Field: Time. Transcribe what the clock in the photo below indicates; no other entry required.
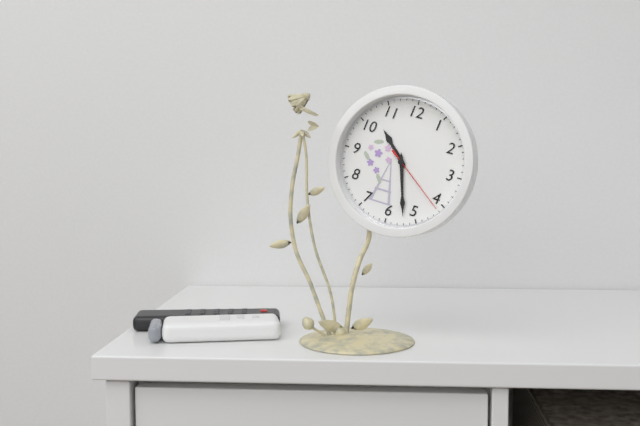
10:27:21
